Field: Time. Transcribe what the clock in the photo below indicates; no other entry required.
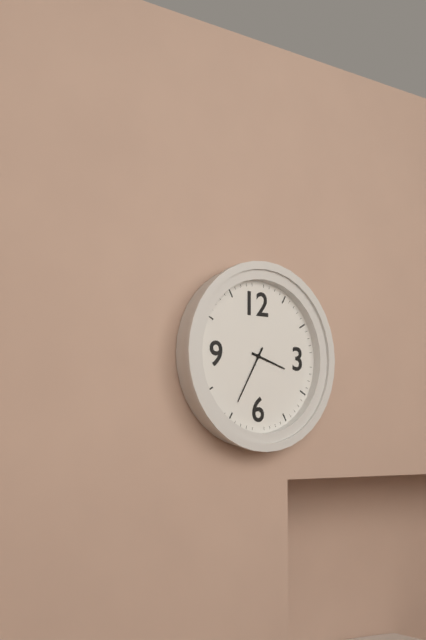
3:35
